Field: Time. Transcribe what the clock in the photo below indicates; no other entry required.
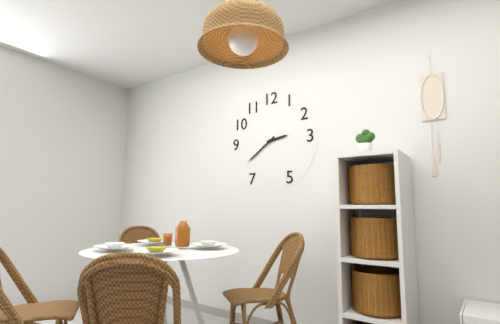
2:39
